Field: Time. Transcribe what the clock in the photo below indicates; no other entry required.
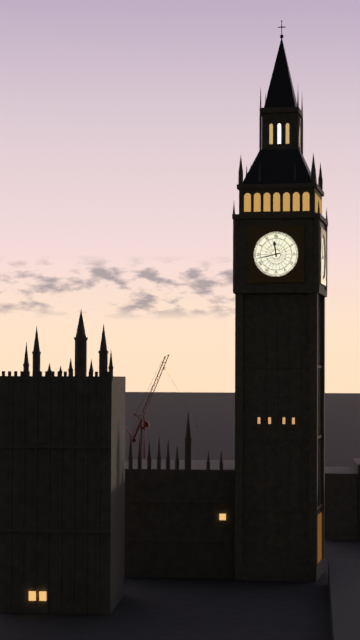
11:43
